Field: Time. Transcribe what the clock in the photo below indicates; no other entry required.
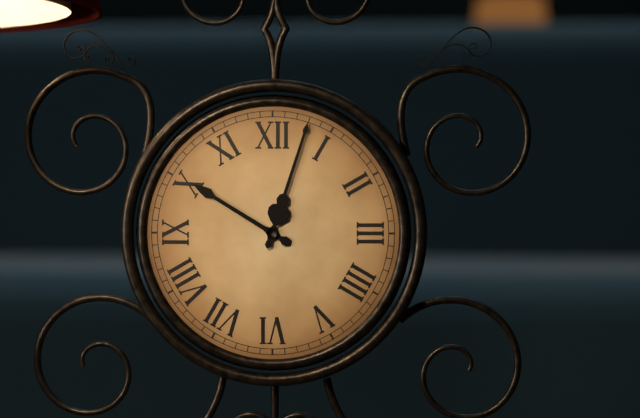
10:03
